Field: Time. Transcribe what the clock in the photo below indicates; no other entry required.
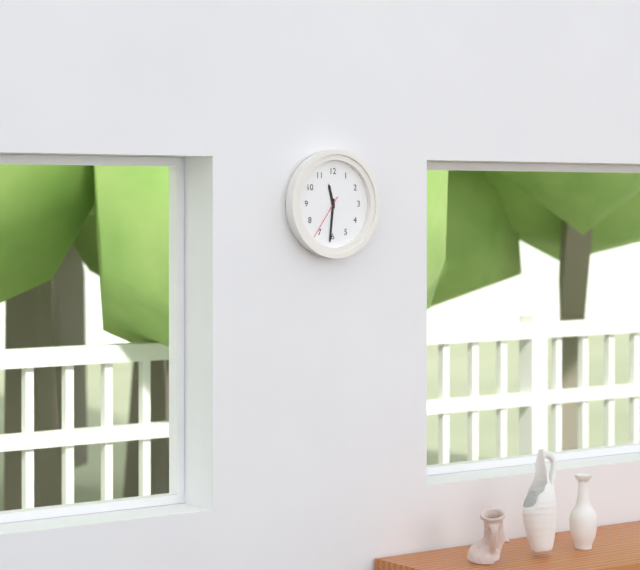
11:31
